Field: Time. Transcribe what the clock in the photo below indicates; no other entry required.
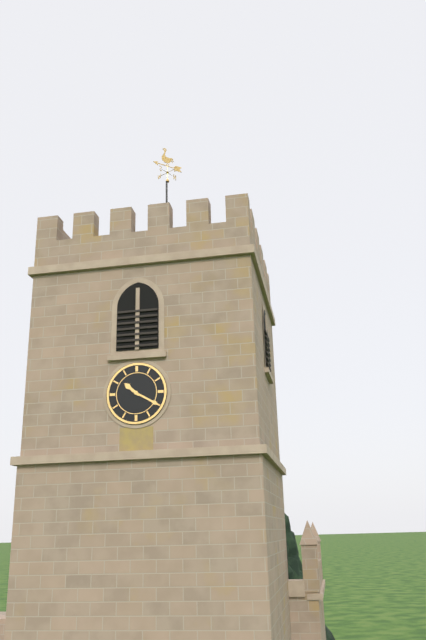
10:20
